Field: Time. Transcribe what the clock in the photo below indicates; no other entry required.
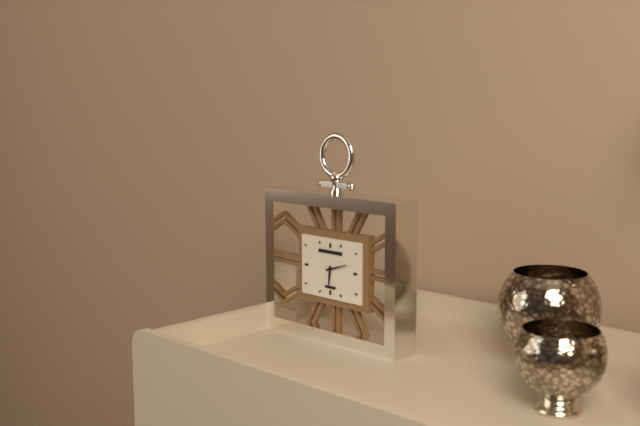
6:12
